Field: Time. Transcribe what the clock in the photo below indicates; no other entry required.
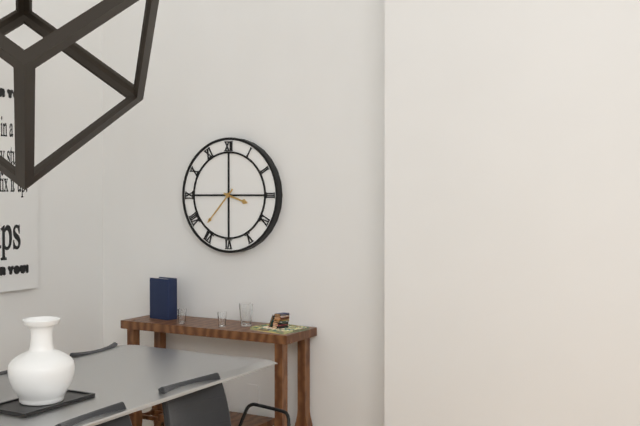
3:37
